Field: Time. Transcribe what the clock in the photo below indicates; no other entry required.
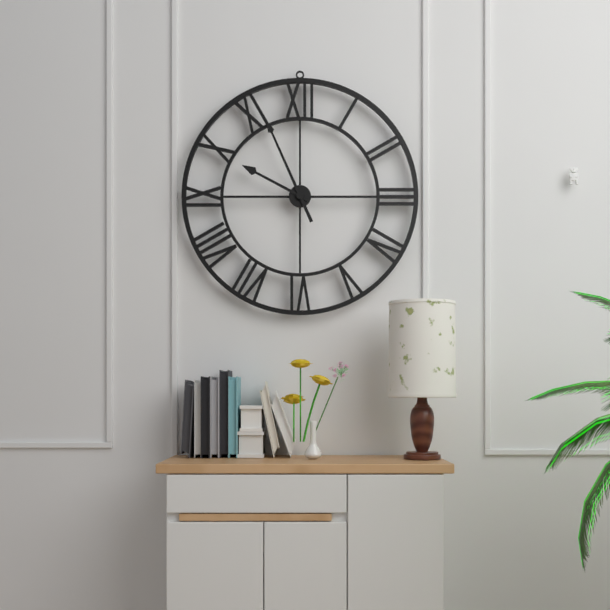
9:56
